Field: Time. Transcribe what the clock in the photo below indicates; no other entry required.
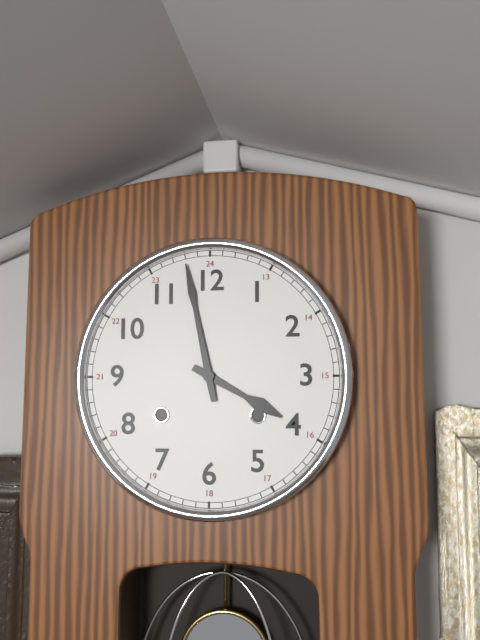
3:58
